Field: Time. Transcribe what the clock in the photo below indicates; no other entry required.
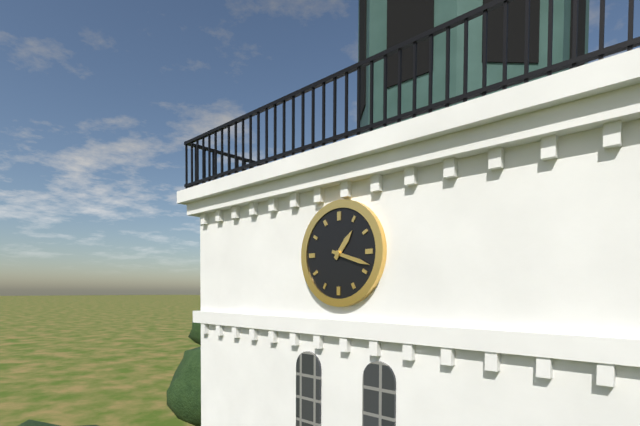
1:18
